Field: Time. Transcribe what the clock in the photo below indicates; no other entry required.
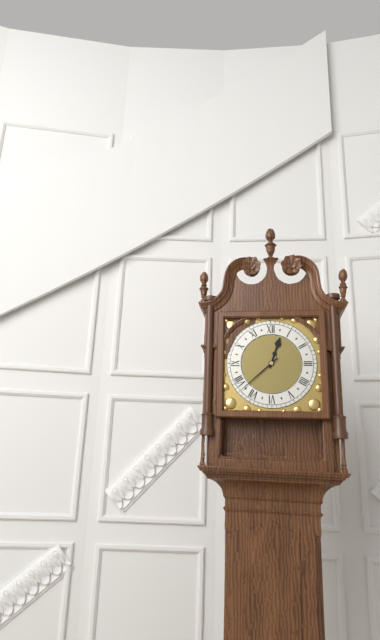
12:38
